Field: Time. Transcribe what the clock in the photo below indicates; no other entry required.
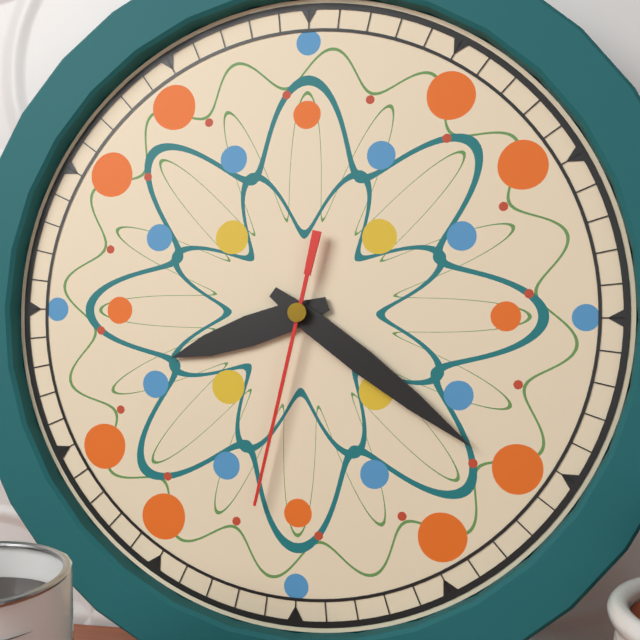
8:21:32
